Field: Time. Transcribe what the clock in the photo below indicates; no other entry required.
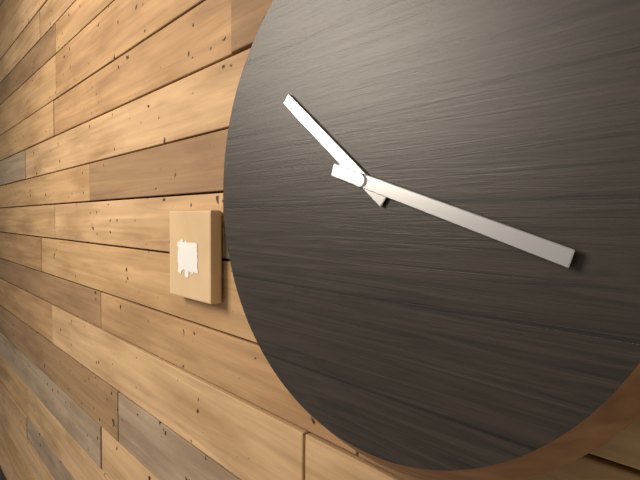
10:18
